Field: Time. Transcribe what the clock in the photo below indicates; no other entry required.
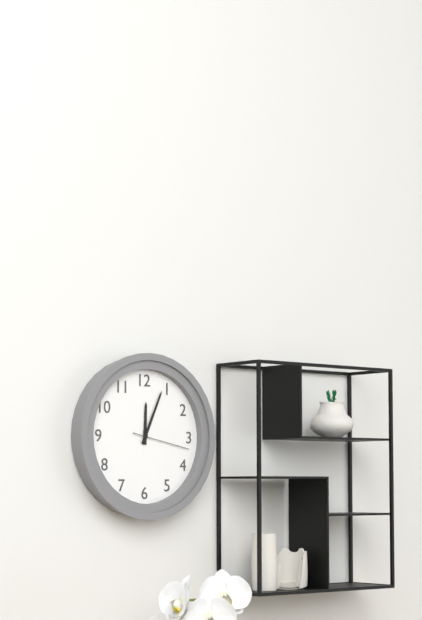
12:04:17
